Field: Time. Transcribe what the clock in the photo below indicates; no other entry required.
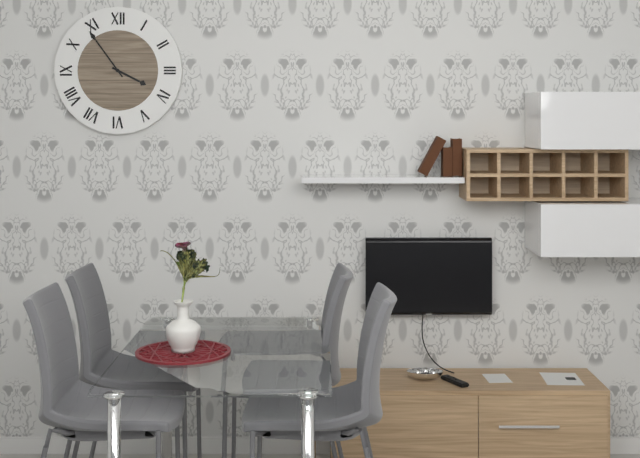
3:54
